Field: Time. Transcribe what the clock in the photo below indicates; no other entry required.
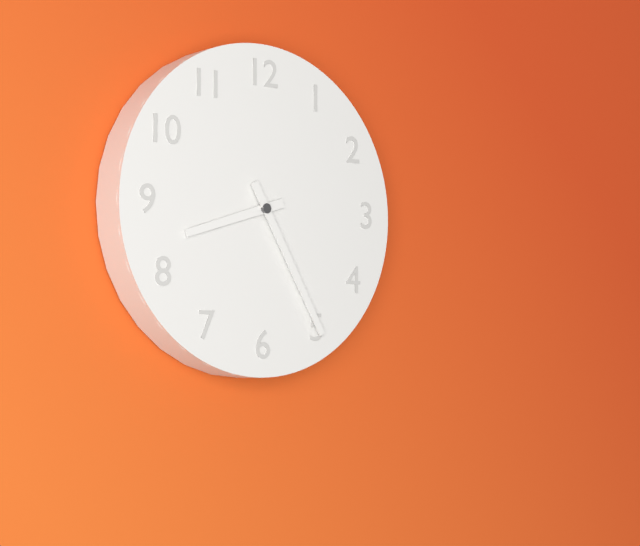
8:25
